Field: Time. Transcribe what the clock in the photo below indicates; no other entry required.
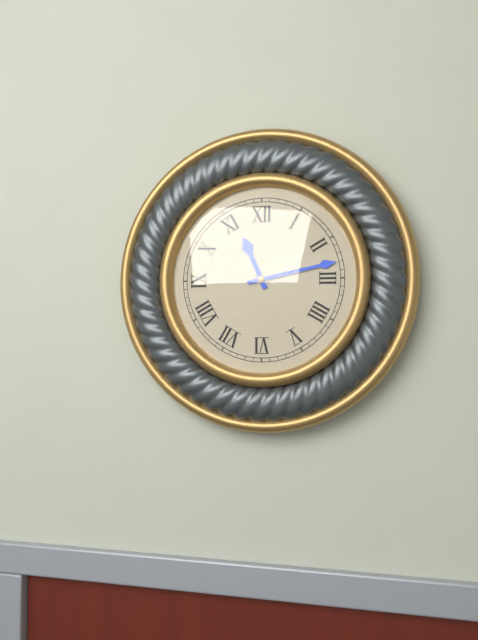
11:13
